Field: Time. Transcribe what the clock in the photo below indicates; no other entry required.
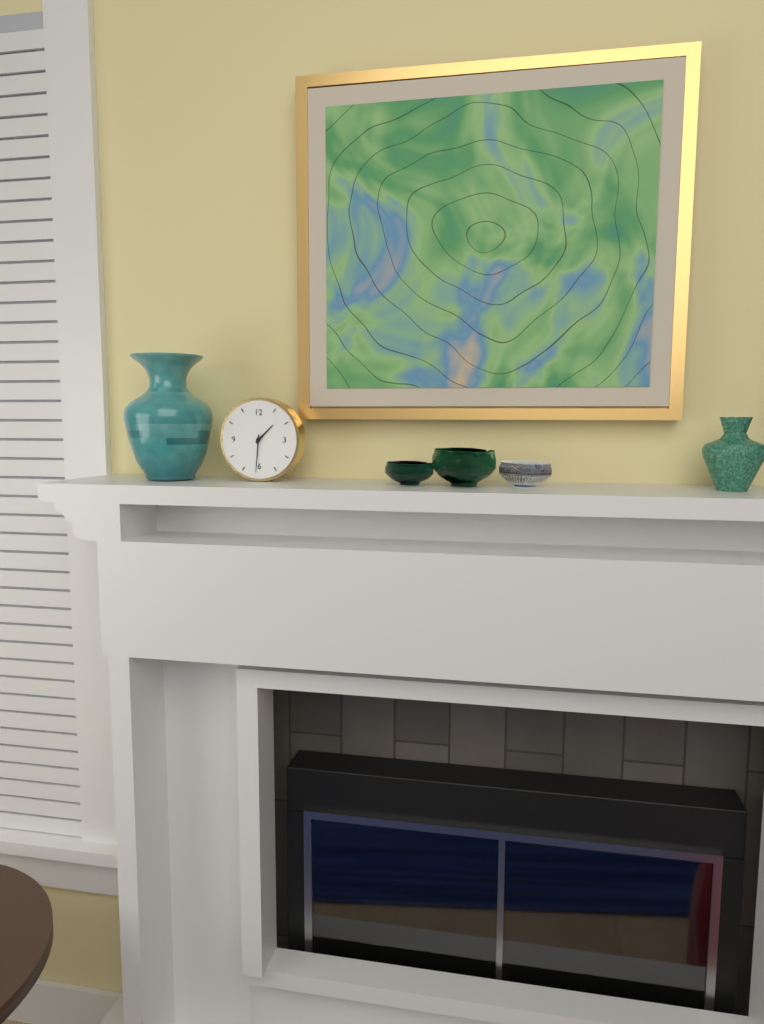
1:31
